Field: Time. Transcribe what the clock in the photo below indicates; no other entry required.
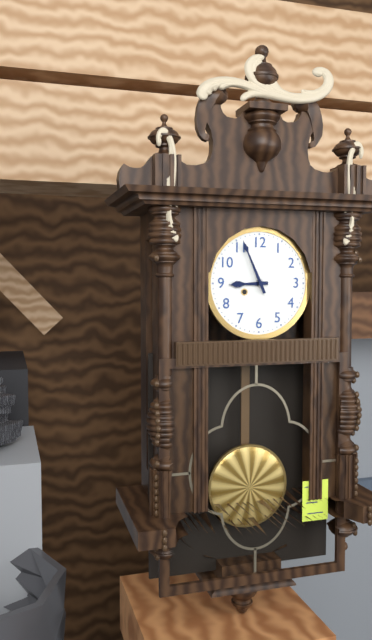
8:56
